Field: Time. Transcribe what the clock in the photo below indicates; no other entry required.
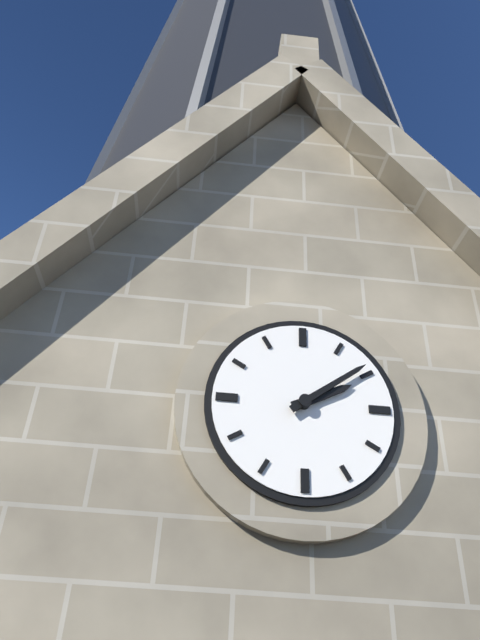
2:09
